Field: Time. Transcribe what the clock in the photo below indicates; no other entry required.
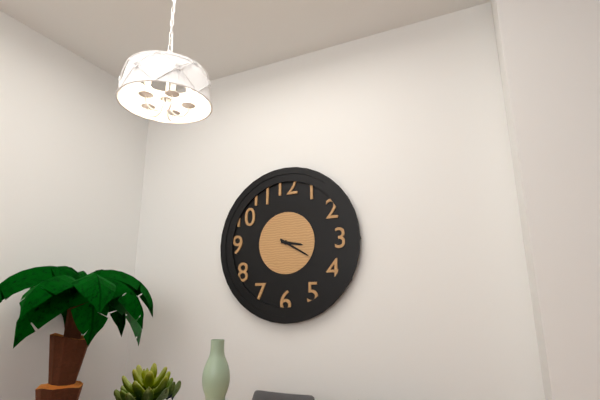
3:20
